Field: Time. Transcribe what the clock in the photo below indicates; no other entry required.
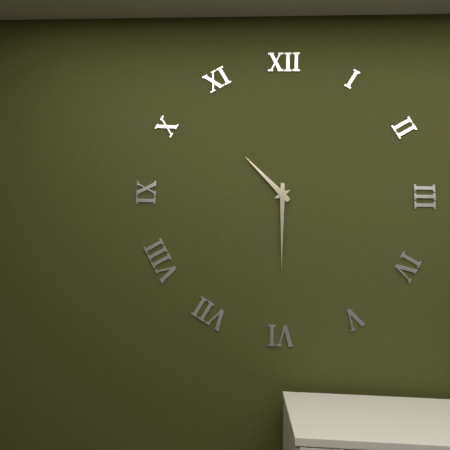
10:30
